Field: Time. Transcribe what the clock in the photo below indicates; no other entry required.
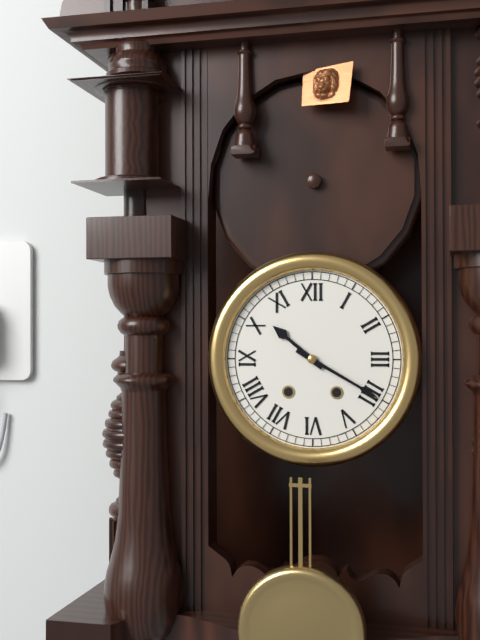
10:20
